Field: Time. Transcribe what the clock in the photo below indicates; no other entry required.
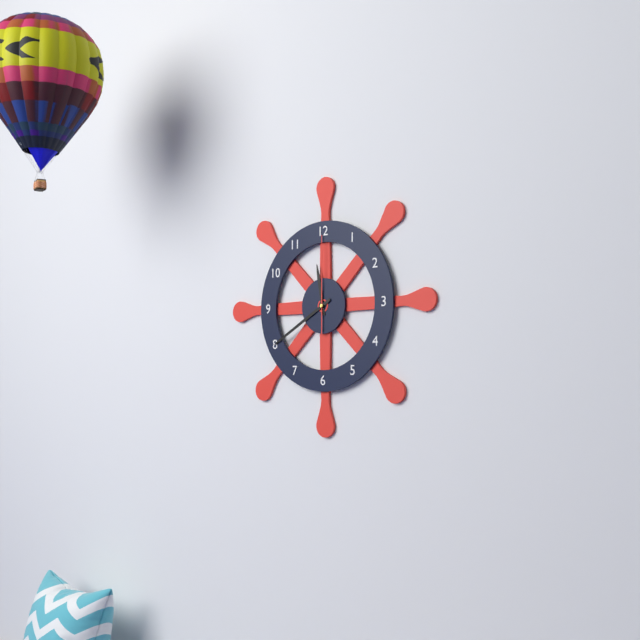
11:40:00
